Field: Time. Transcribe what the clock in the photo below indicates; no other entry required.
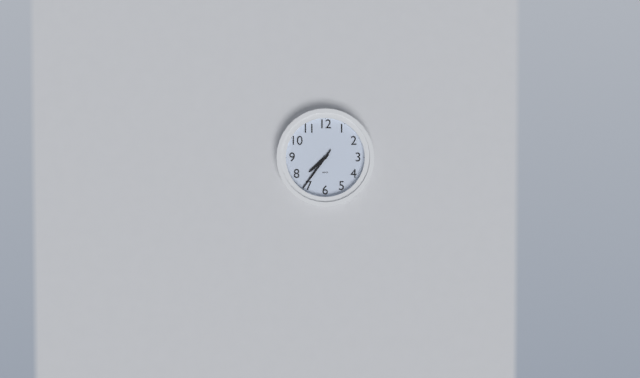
7:36
